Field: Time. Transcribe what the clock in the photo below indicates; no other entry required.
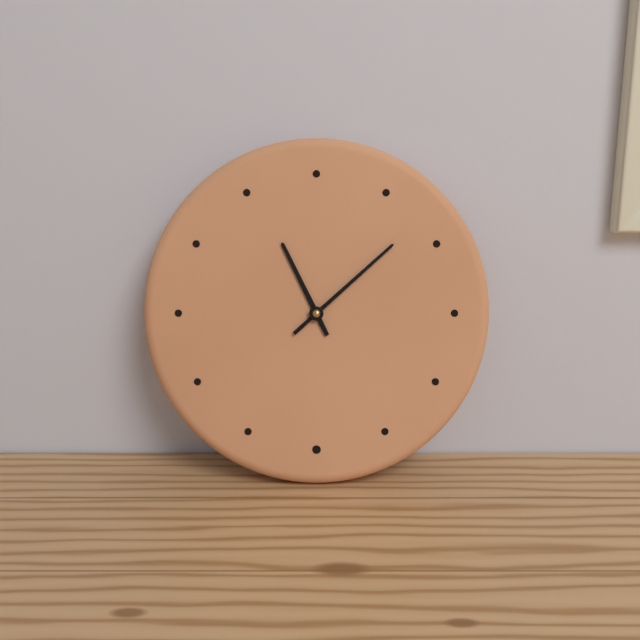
11:08
